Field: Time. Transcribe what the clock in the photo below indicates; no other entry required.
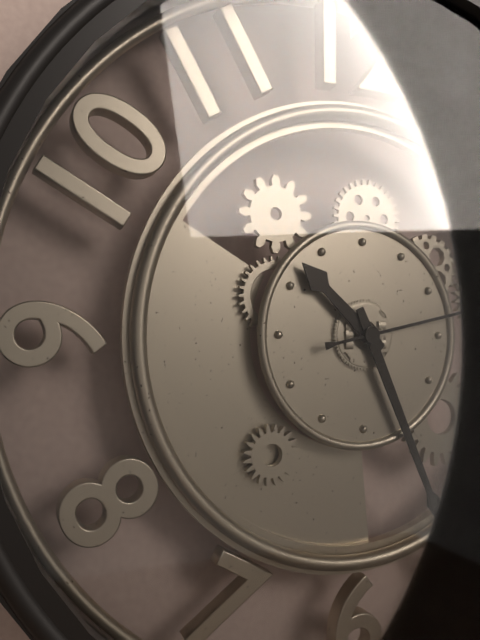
10:26
